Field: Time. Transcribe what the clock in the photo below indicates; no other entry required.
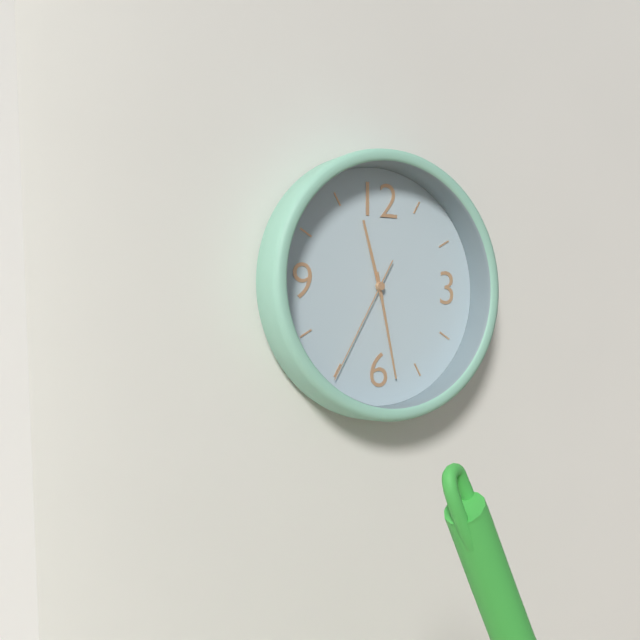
11:28:35
